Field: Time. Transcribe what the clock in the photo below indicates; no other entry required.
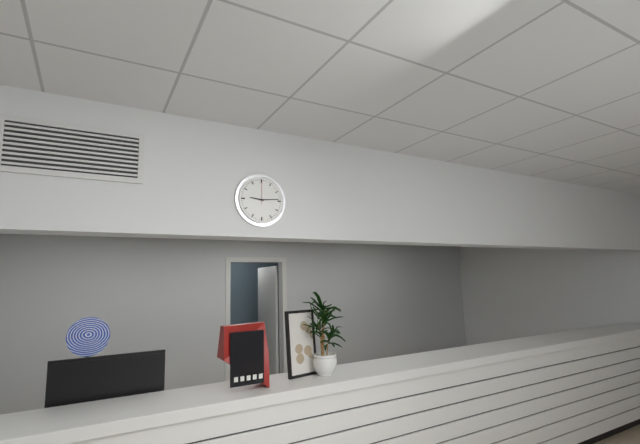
9:14
